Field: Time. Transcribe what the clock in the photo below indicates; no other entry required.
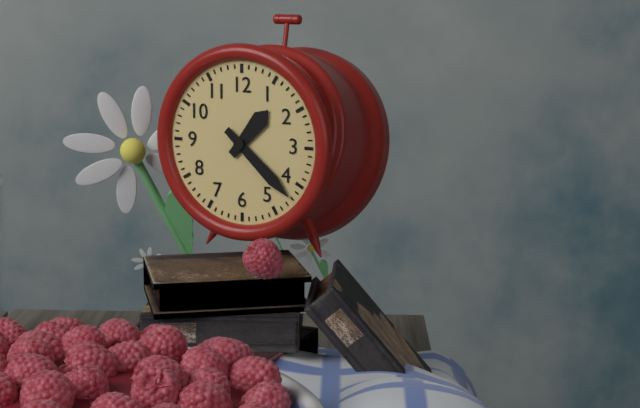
1:22
